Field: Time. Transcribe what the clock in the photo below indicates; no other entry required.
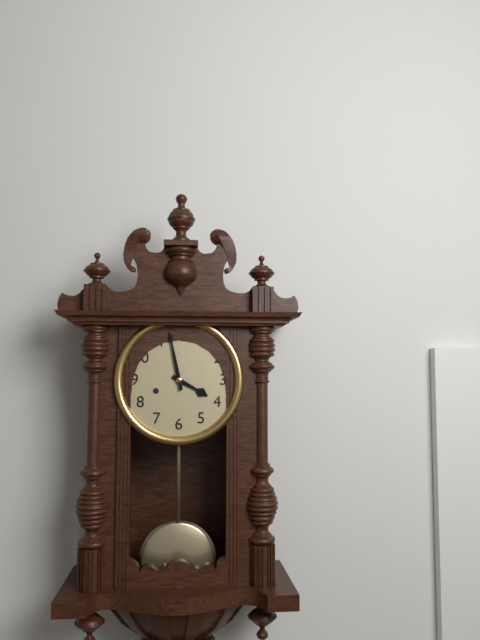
3:58
